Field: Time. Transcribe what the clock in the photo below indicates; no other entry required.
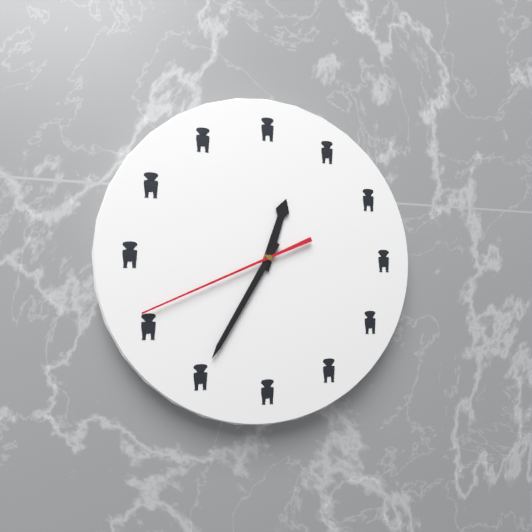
12:35:41
